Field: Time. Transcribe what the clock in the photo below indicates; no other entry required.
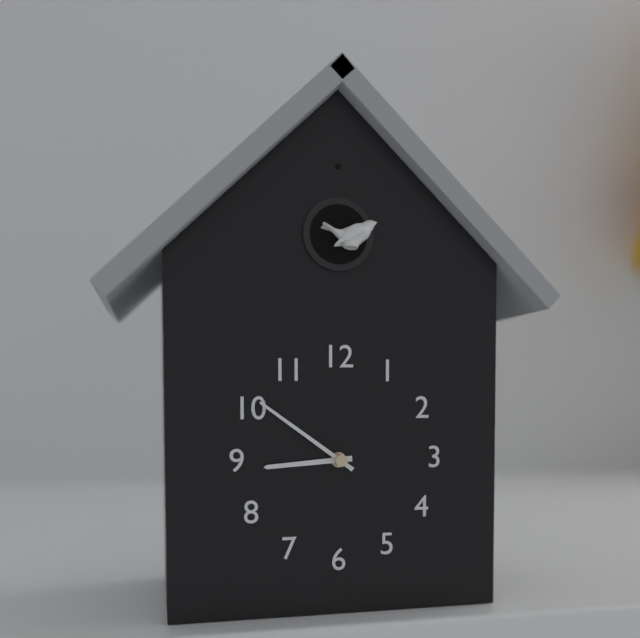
8:51
